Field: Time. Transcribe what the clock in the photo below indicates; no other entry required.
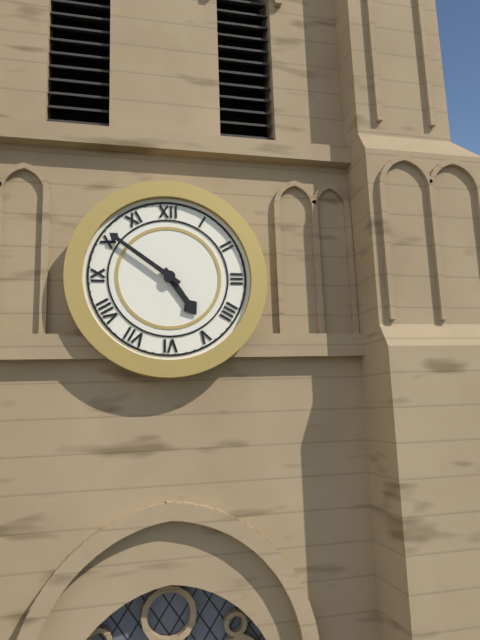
4:51
